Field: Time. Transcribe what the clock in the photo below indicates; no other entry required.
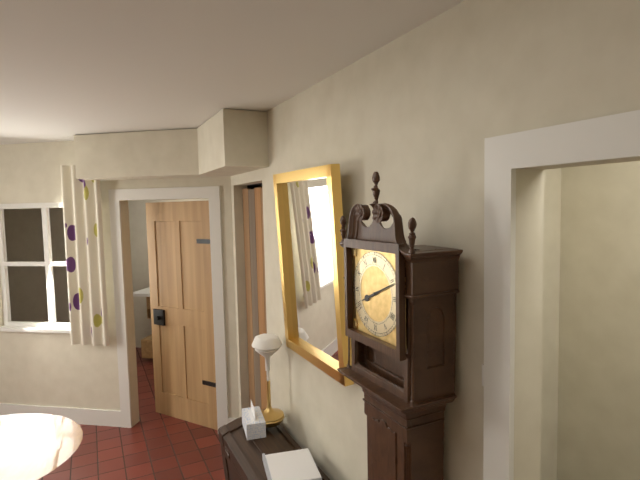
8:11
